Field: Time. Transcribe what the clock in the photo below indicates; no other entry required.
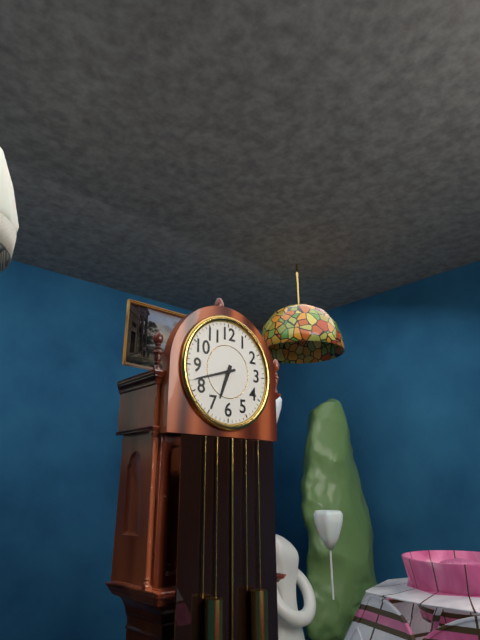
6:42
